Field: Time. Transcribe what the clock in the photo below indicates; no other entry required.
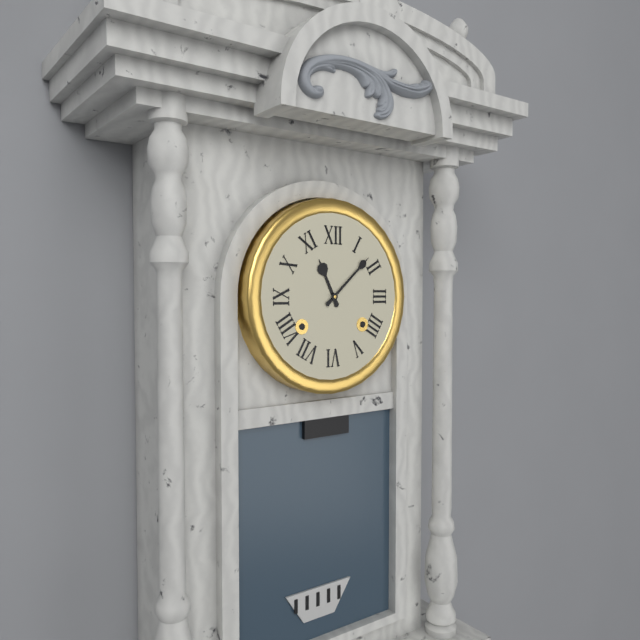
11:08
